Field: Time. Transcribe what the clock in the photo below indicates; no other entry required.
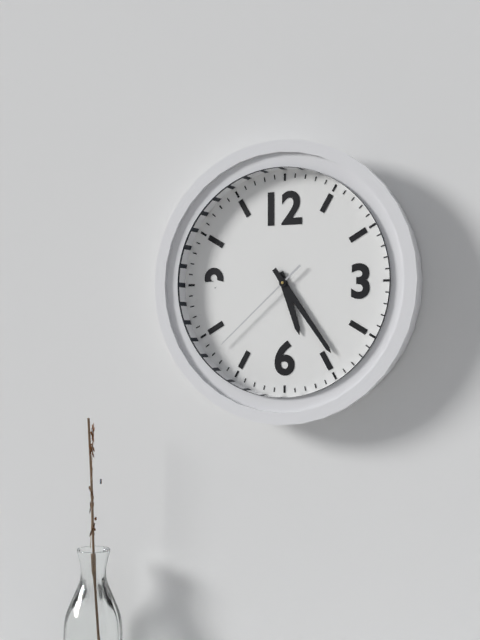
5:24:38
